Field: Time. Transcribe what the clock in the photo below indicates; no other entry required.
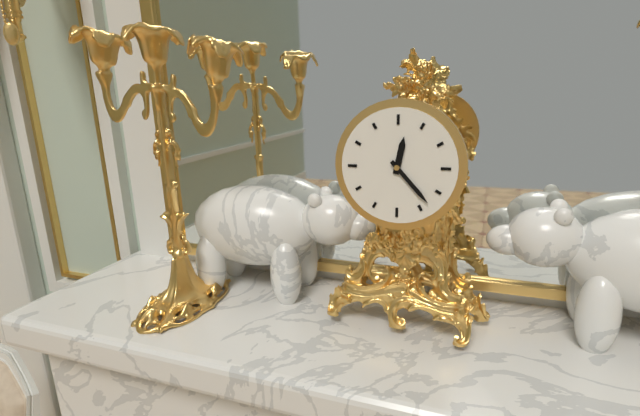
12:23
